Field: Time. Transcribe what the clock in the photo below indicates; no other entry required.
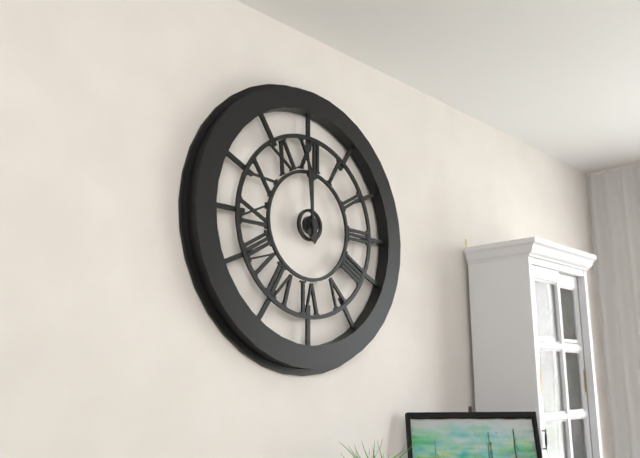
11:59
